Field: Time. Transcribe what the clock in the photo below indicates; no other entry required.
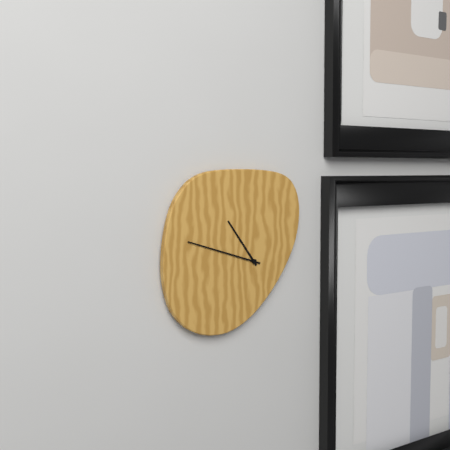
10:48
